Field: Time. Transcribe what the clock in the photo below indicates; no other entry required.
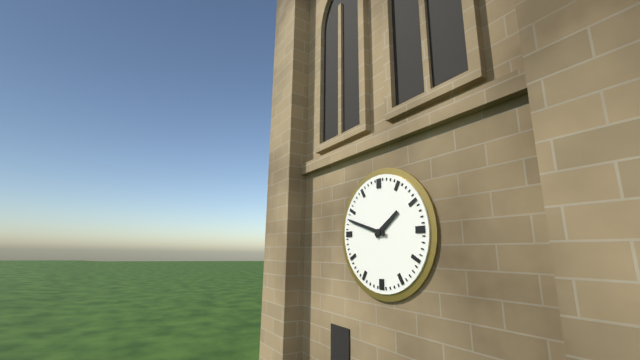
1:48
